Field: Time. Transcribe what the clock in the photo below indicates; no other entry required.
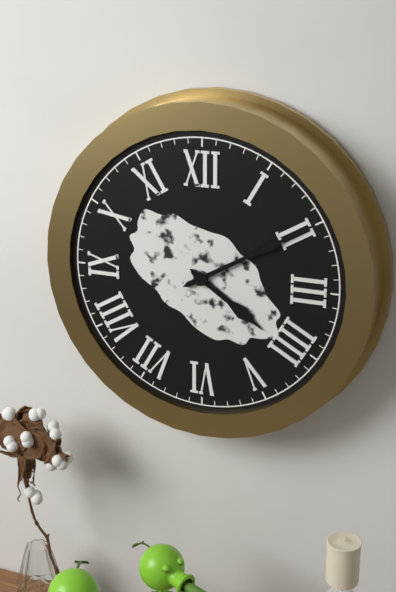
4:10
